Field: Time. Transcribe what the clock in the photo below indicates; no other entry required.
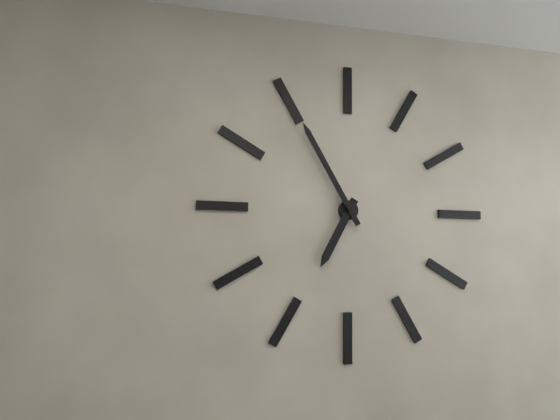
6:55
